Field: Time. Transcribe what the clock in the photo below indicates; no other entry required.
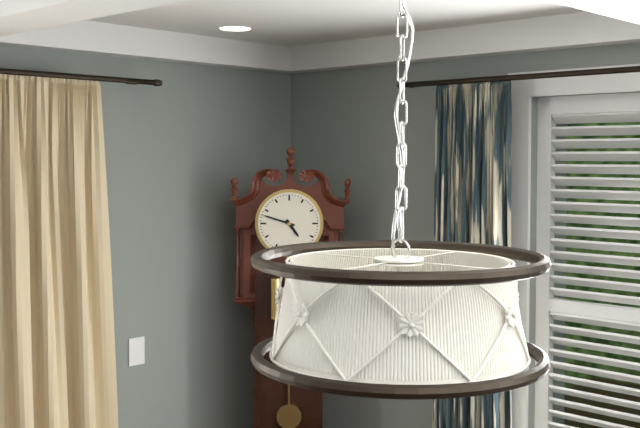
4:48
